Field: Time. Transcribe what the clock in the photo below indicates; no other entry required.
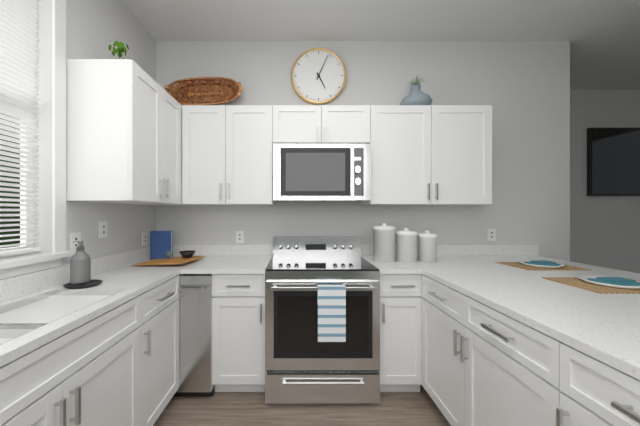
5:04
